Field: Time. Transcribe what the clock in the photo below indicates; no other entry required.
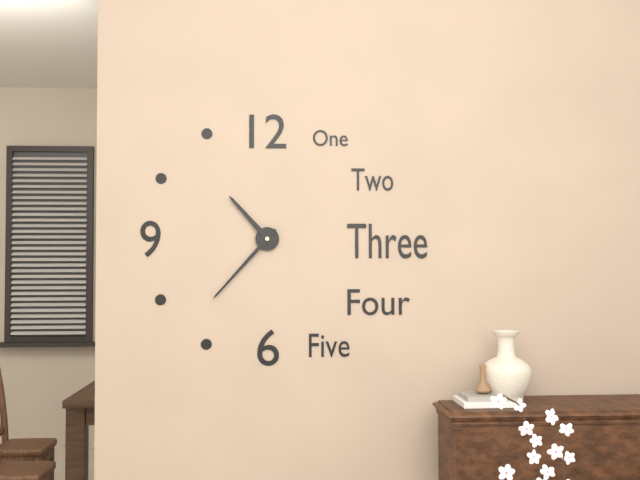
10:37
